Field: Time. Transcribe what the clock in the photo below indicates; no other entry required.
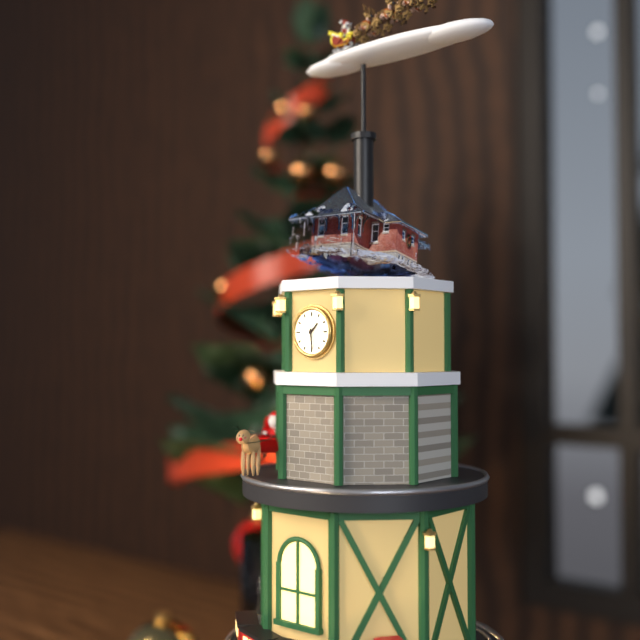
1:29
